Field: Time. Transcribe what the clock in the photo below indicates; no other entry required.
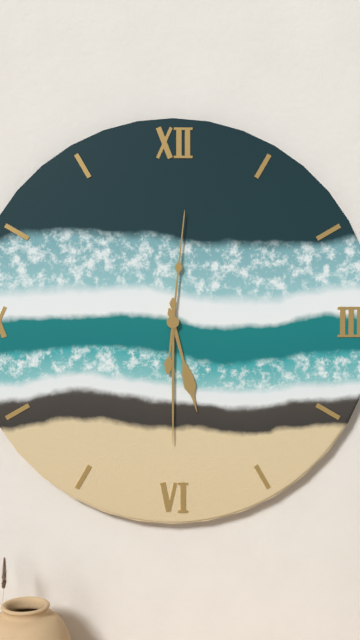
5:30:01
